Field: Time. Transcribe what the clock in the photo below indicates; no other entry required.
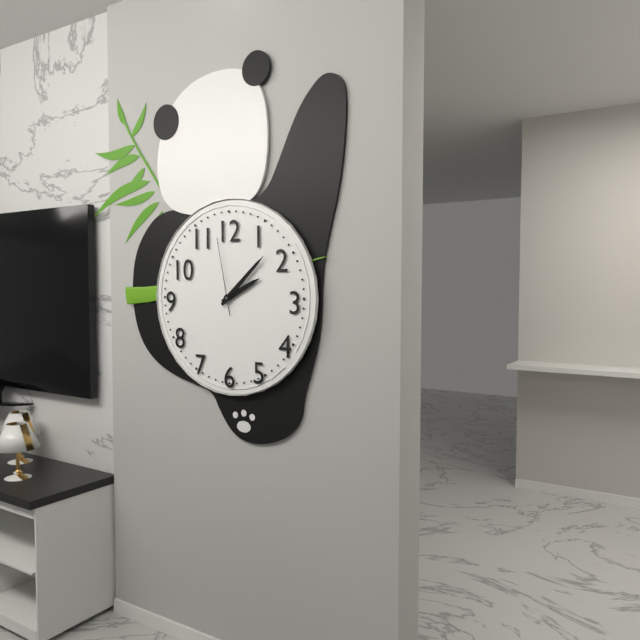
2:08:58
